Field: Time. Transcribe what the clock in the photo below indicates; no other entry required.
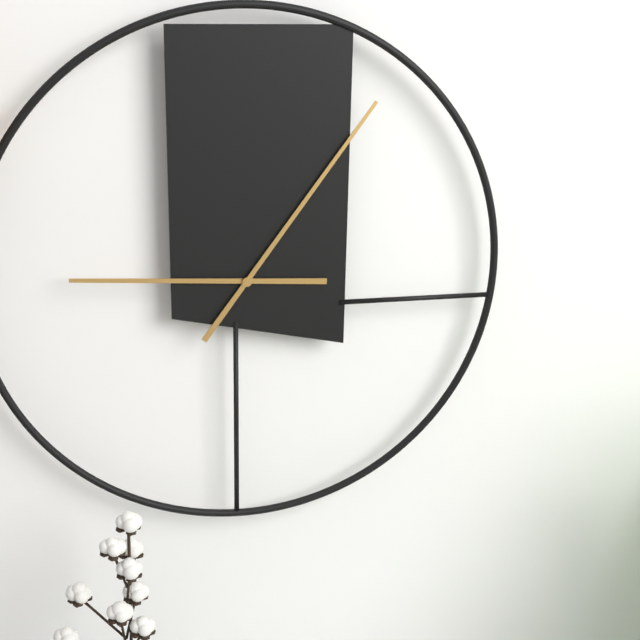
9:06
